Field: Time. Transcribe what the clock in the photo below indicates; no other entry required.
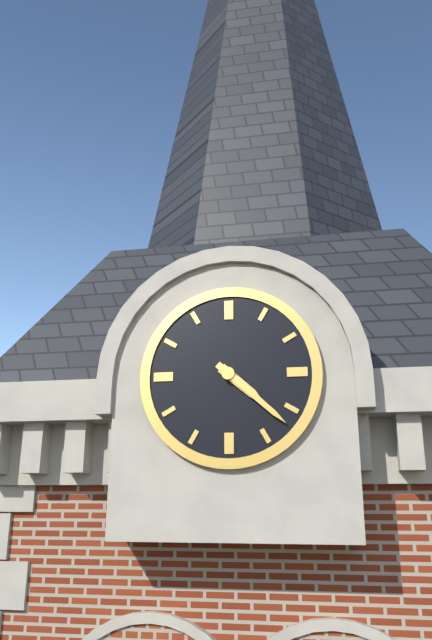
4:22
